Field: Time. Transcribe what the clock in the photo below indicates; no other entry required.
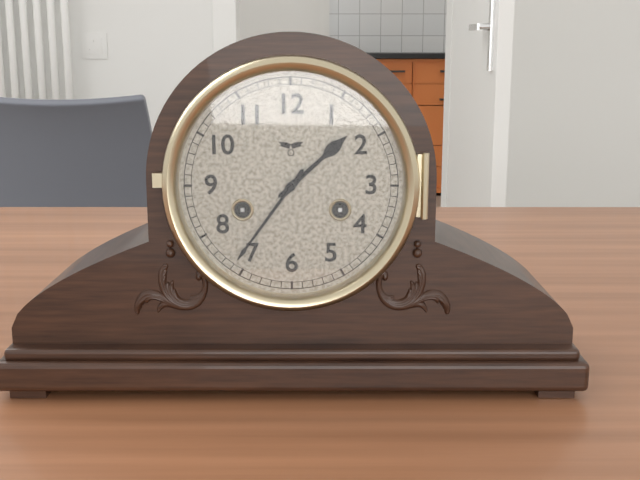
1:36
